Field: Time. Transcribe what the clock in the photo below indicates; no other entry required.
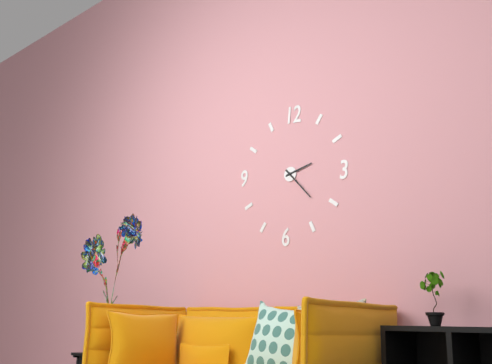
2:22
